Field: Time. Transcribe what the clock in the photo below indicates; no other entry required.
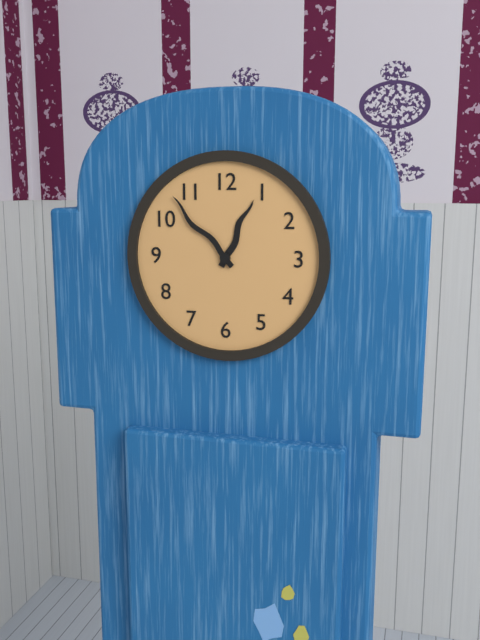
12:53
